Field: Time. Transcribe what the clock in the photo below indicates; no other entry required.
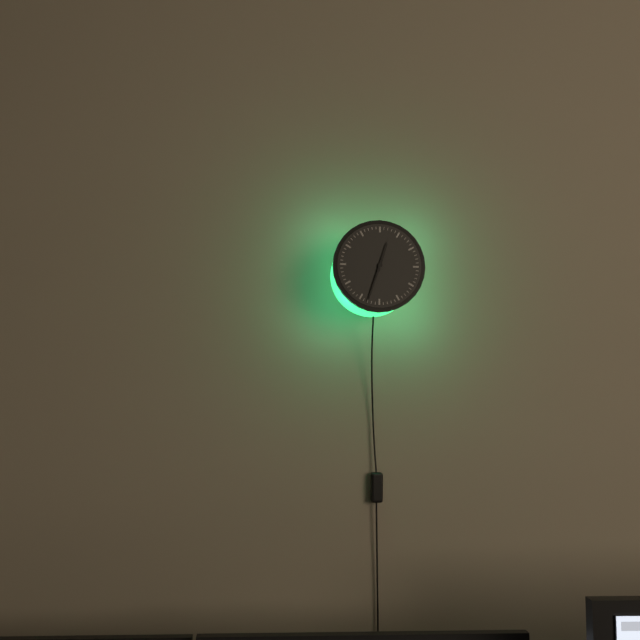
12:33
